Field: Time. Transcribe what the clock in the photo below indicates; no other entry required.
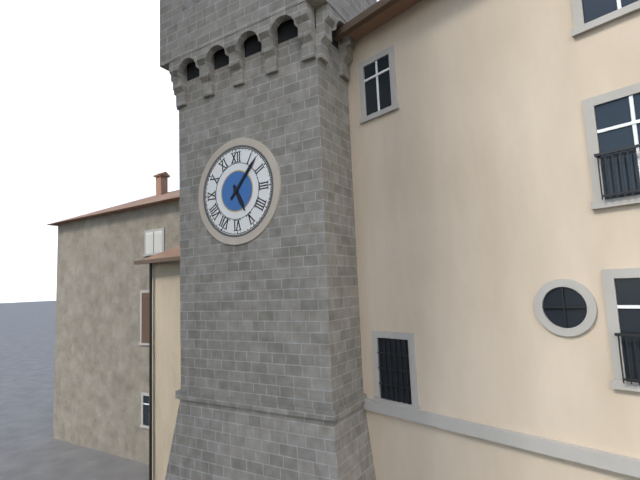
5:07
